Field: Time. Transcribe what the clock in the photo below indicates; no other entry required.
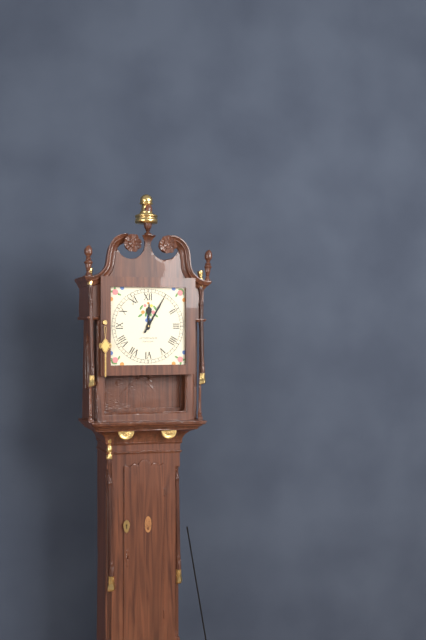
12:05
